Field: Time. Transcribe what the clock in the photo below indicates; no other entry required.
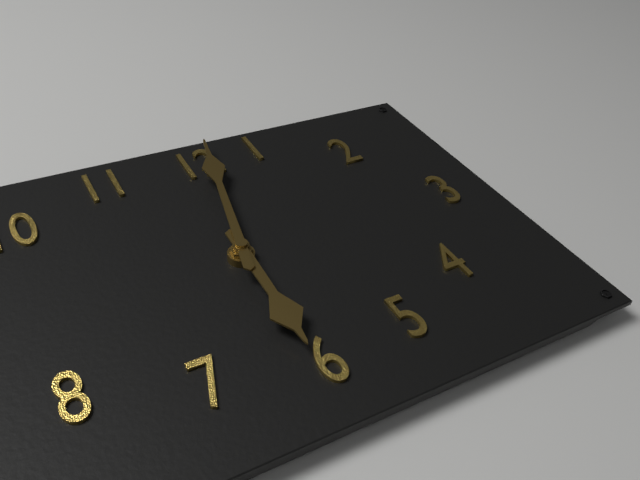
6:02
